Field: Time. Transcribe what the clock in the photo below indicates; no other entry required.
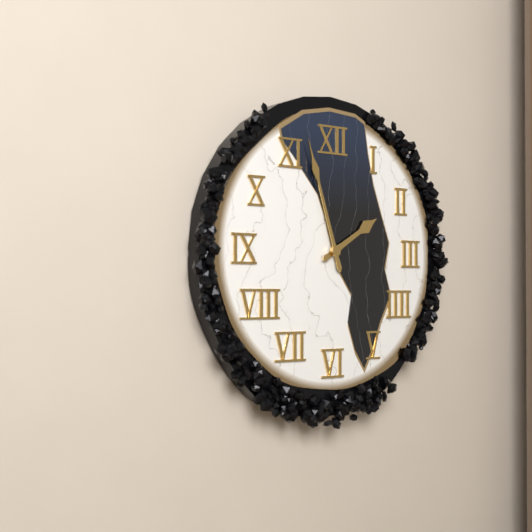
1:57
